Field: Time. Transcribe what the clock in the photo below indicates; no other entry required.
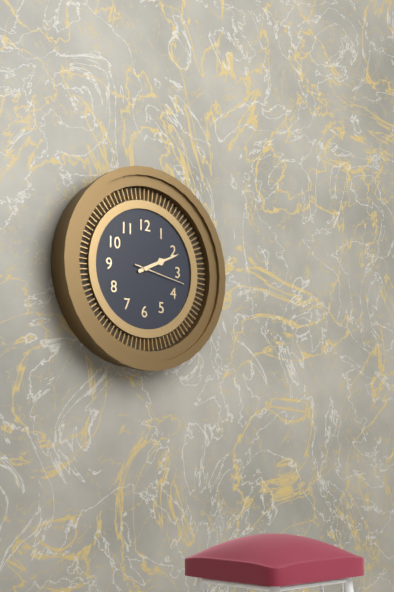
2:11:17
